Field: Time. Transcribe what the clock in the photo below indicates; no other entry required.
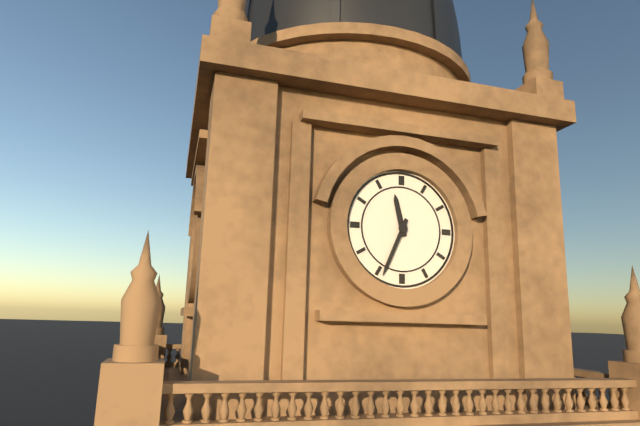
11:34
